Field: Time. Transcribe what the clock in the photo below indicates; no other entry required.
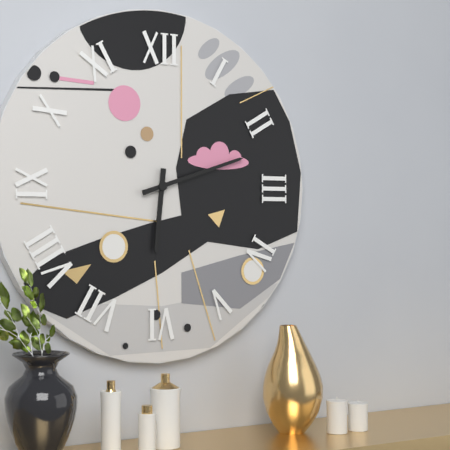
6:12
